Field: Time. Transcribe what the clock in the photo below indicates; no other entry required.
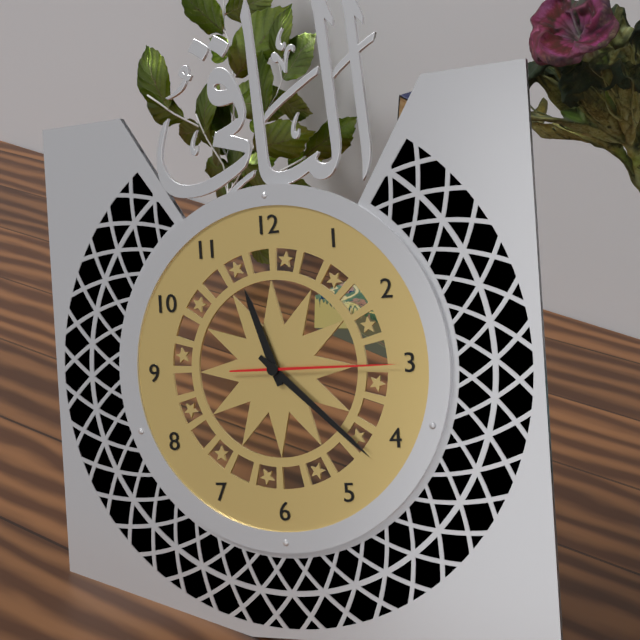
11:22:15
